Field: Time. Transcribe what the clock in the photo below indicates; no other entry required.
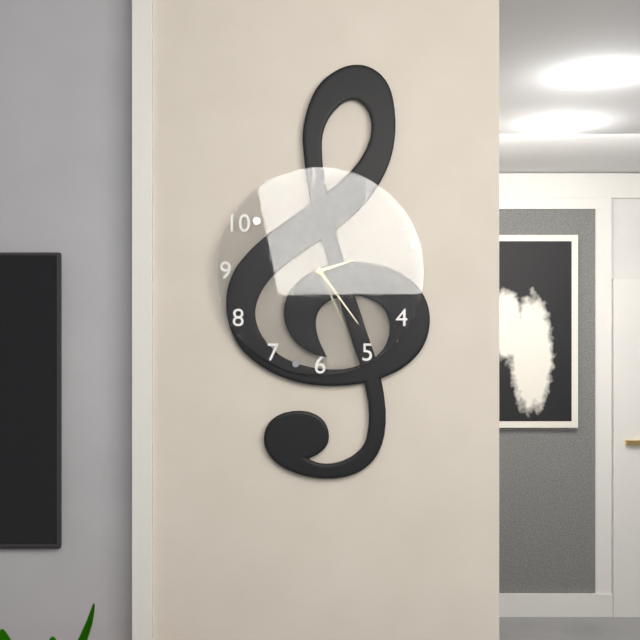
2:24:26
